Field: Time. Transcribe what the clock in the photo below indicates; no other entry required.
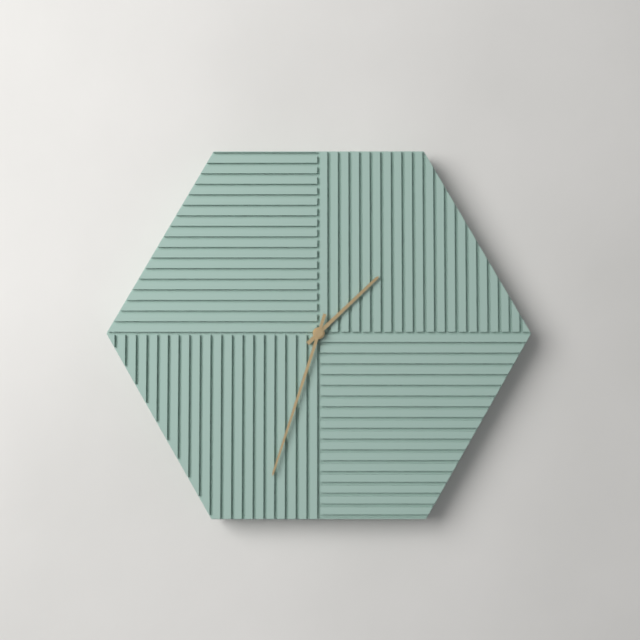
1:33
